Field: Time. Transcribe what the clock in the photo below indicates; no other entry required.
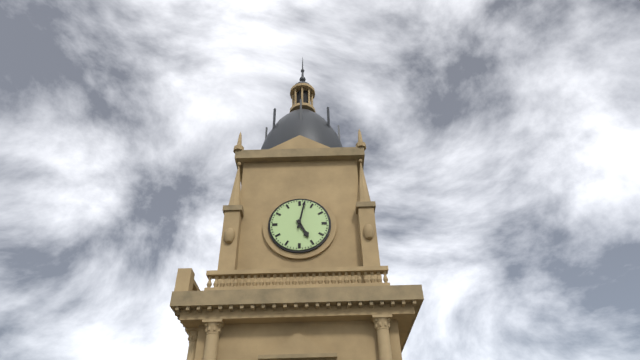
5:02
